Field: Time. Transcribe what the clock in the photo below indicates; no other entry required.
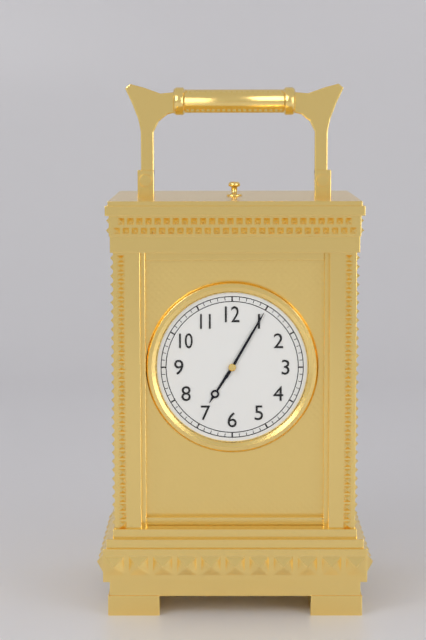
7:05
